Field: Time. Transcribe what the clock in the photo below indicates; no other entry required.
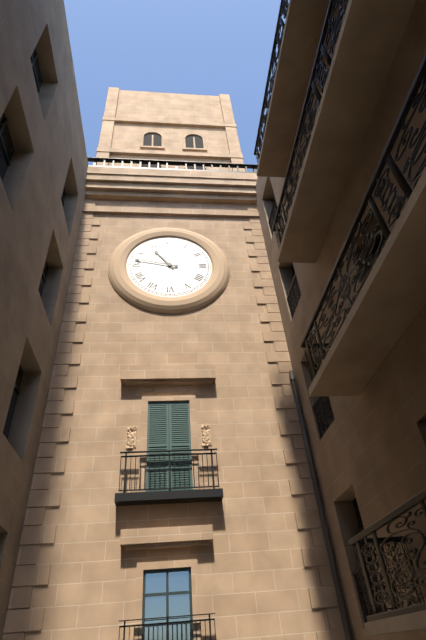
10:47
